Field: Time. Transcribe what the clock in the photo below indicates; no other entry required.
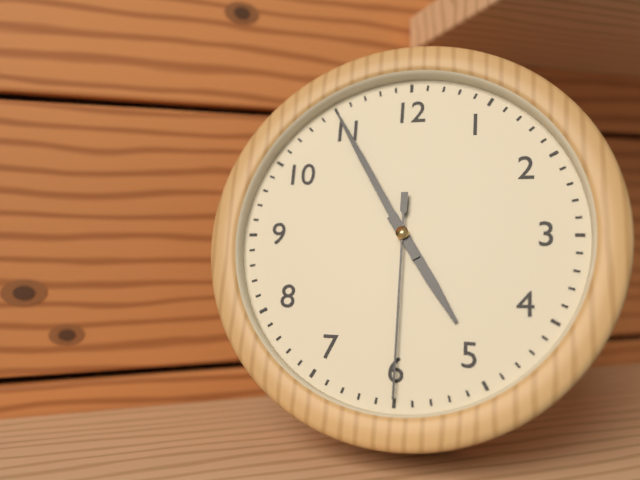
4:55:30
